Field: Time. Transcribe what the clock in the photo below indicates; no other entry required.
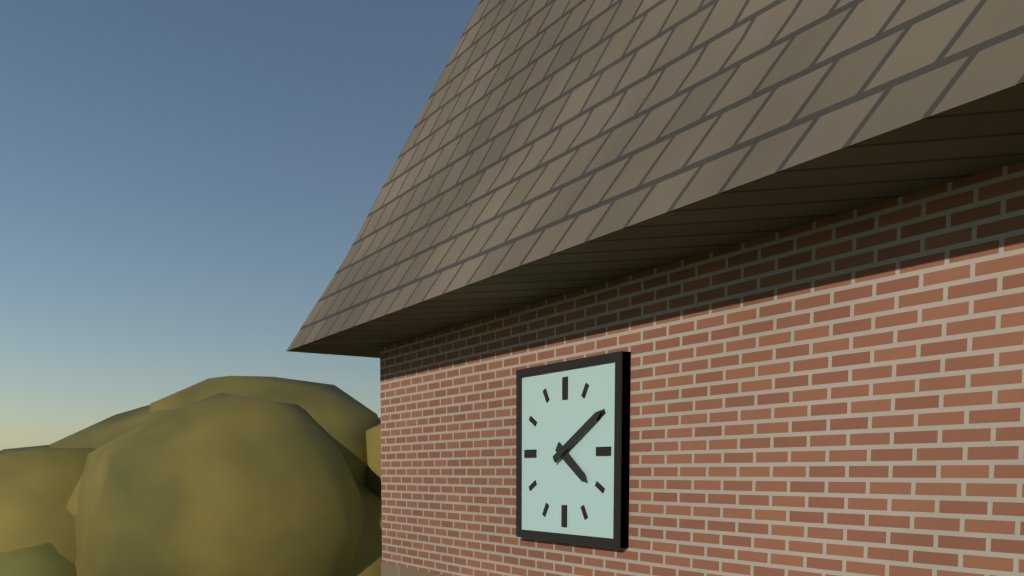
4:10
